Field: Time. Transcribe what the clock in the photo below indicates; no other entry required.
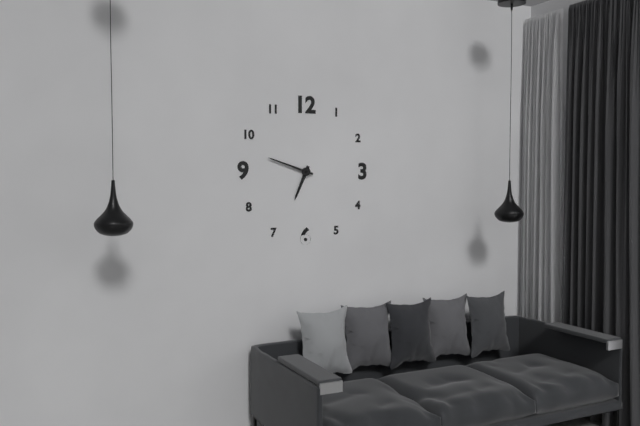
6:48
